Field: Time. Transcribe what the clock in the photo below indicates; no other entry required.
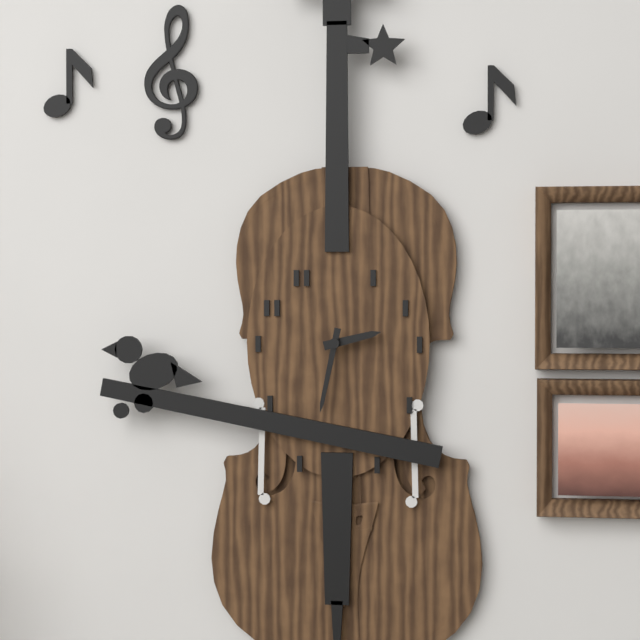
2:32
